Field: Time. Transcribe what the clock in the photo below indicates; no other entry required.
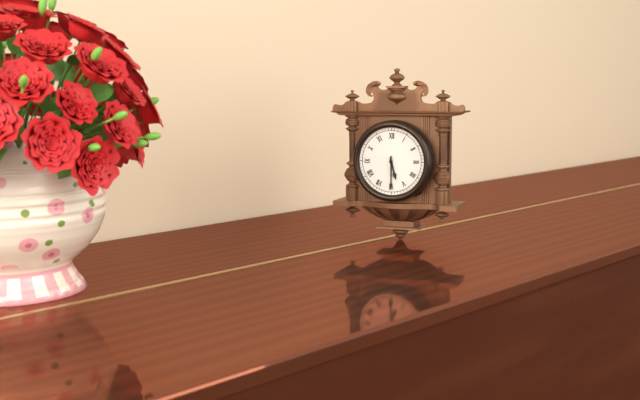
5:30
